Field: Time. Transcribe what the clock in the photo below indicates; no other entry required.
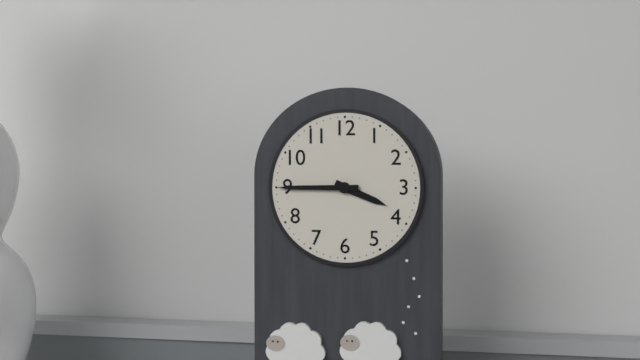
3:45
